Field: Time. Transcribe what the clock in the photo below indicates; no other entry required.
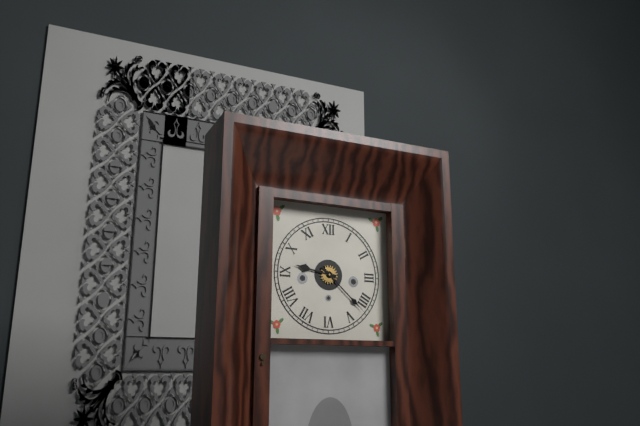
9:22
